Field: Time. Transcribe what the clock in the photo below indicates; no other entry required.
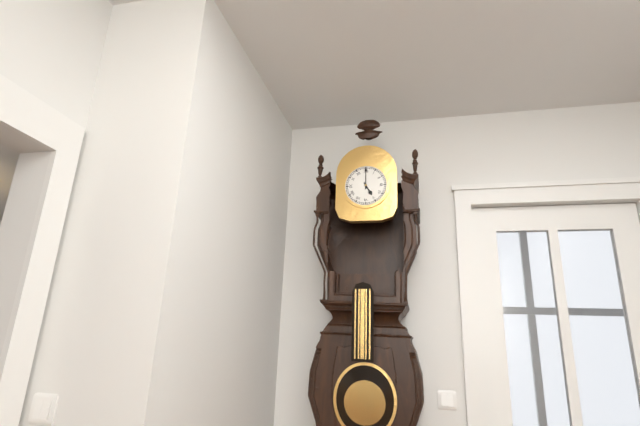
5:00
